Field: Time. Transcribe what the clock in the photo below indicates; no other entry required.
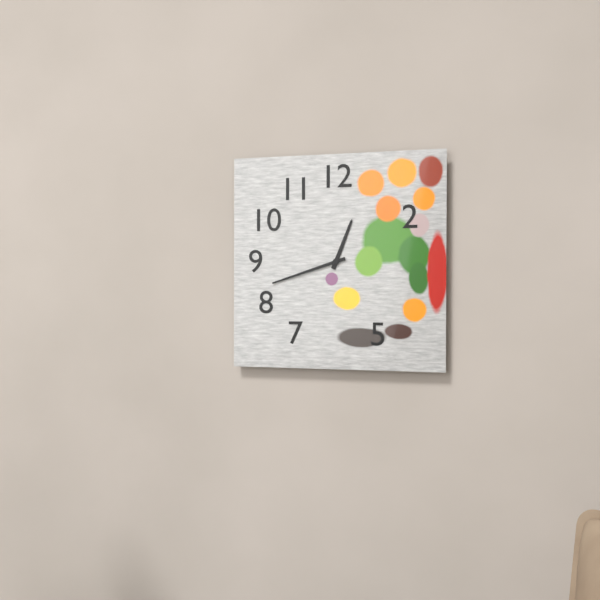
12:42
